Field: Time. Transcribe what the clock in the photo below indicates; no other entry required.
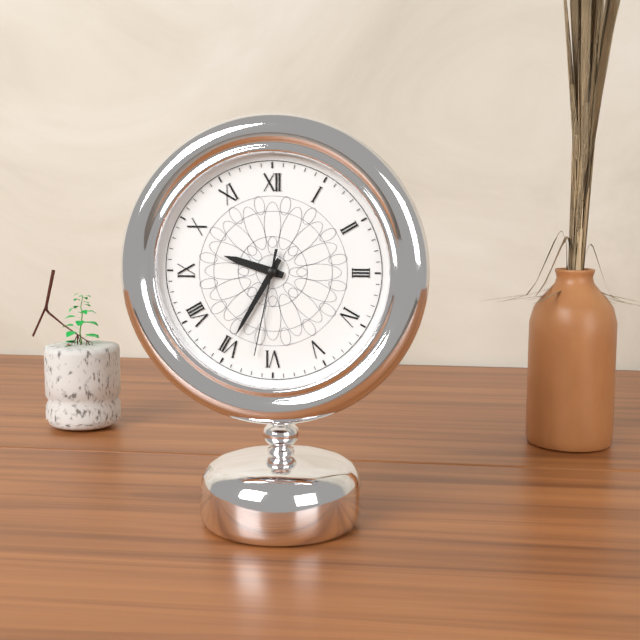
9:35:32
